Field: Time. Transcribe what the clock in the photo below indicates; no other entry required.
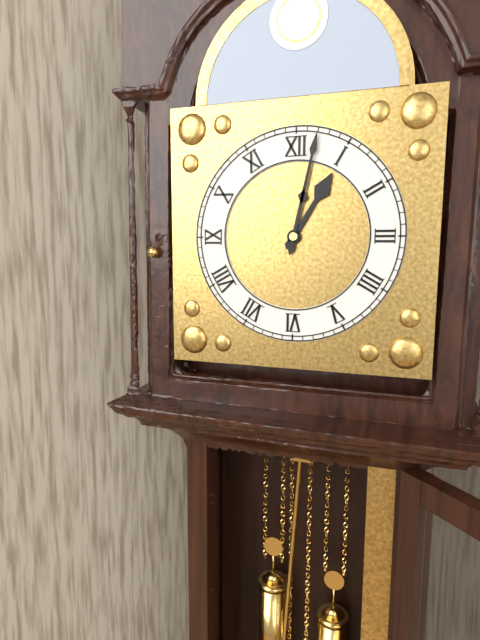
1:02
